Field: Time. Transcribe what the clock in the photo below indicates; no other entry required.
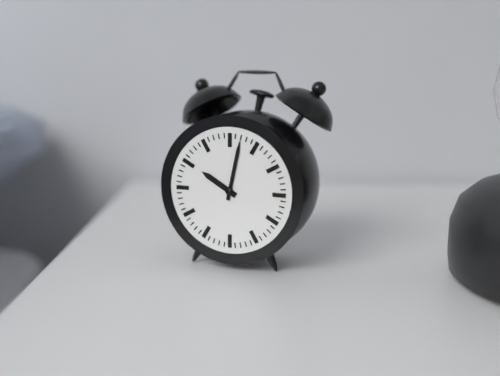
10:02
